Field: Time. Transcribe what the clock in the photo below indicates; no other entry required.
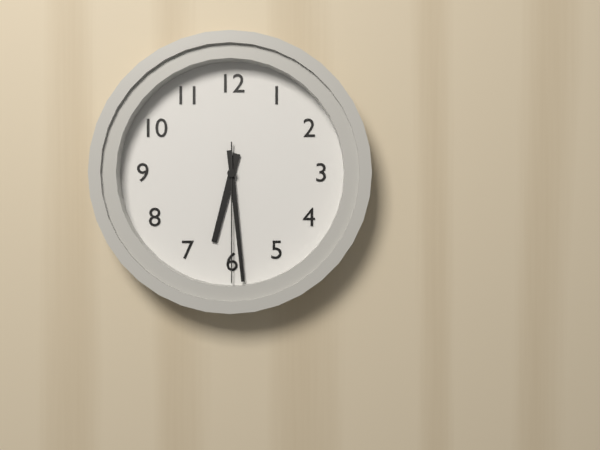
6:29:30
